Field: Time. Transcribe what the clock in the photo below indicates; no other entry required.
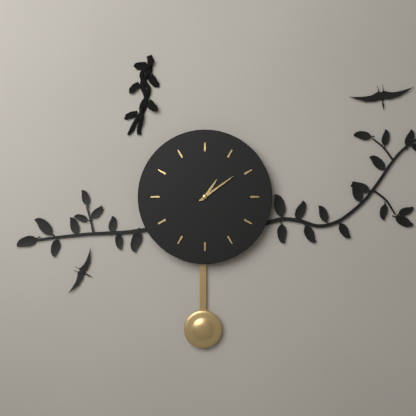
1:09
